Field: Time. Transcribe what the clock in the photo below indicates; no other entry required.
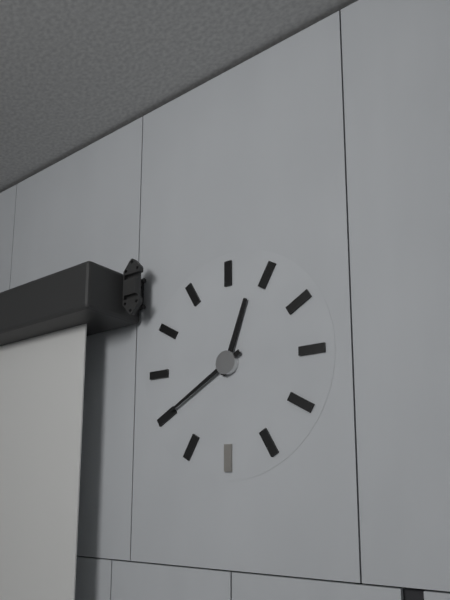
12:40
